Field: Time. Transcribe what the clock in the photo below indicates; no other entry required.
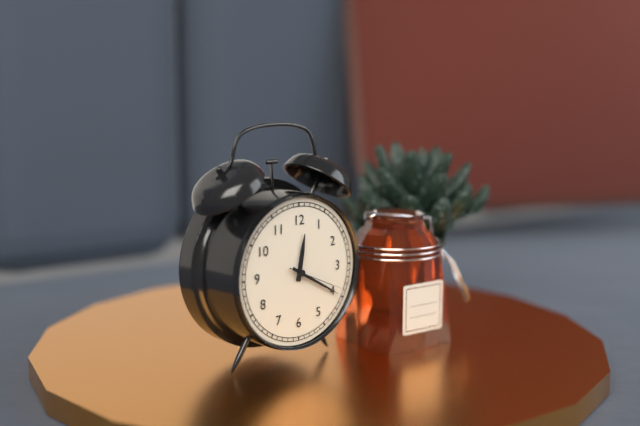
12:20:19
